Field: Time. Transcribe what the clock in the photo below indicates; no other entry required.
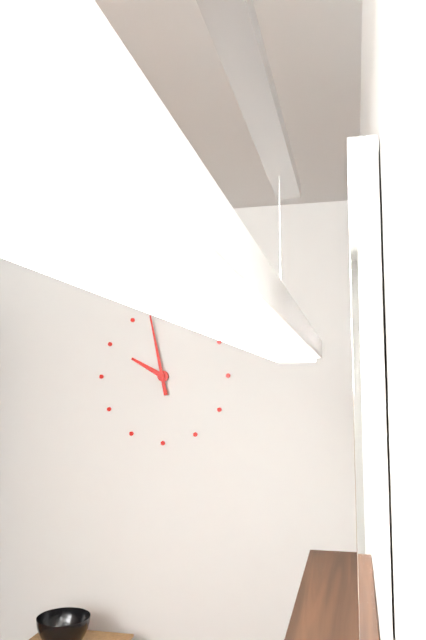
9:58
